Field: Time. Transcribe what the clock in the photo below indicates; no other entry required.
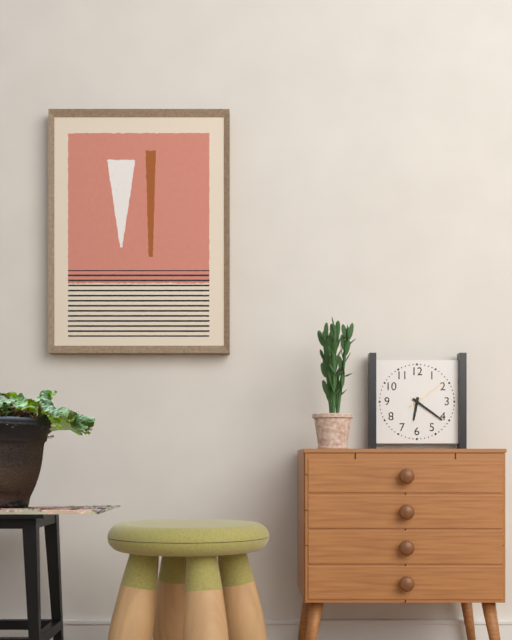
6:21
